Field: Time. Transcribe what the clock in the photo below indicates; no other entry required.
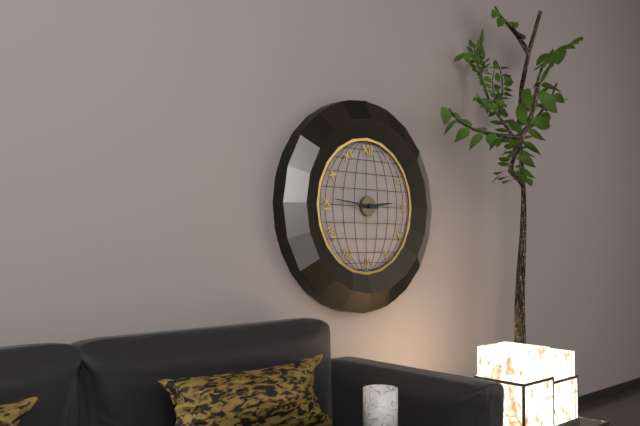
2:46
